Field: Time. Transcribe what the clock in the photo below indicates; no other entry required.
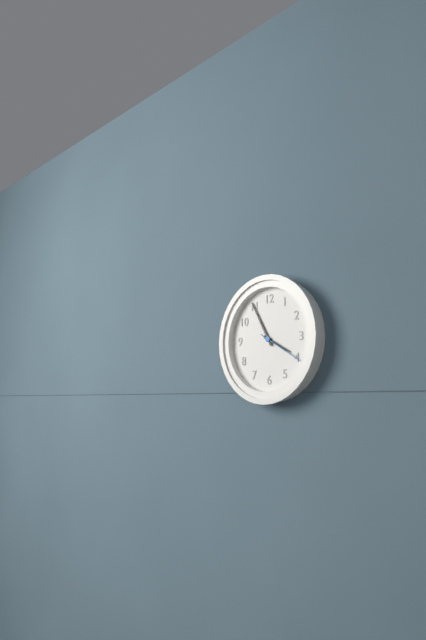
3:55
